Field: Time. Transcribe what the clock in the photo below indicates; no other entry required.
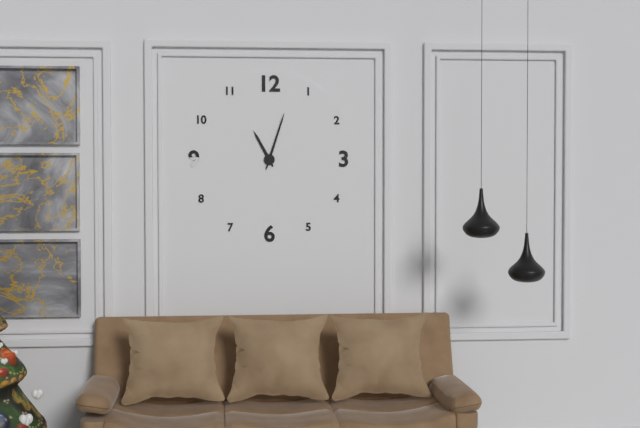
11:03
